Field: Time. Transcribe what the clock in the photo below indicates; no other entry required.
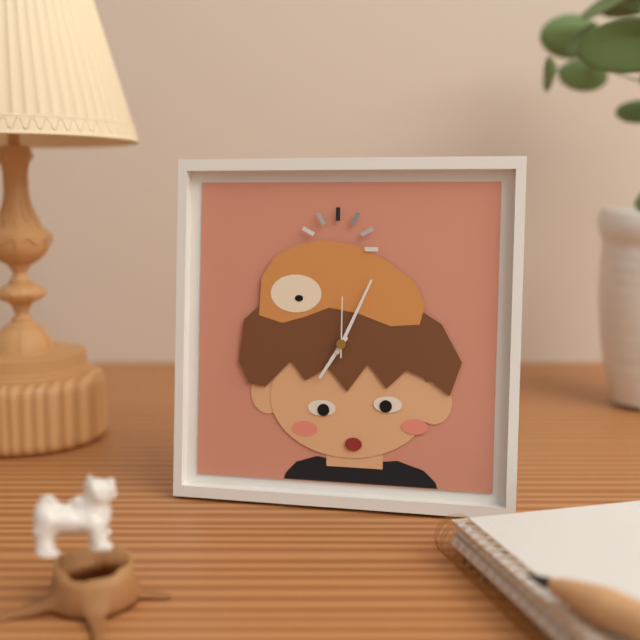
7:04:00
